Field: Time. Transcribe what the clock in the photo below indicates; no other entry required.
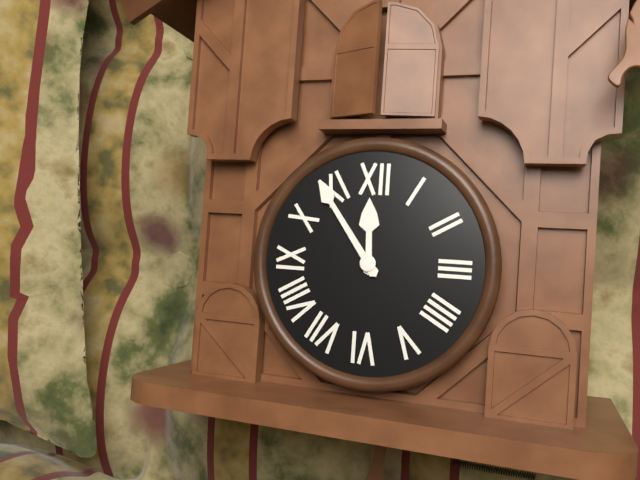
11:54
